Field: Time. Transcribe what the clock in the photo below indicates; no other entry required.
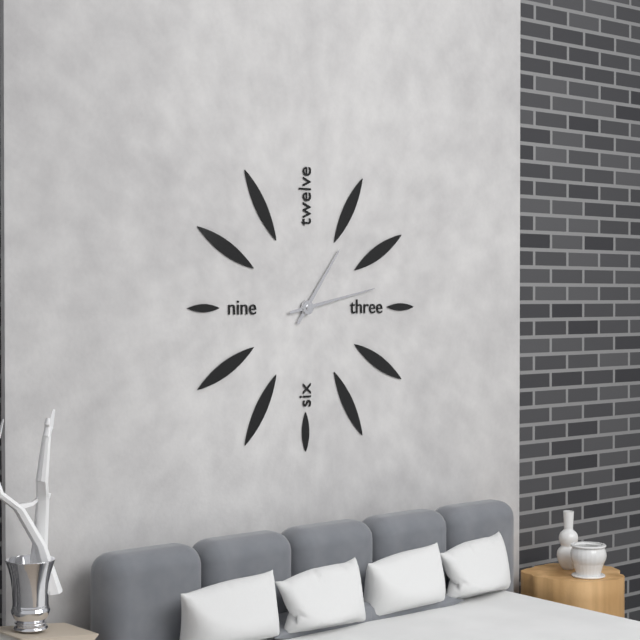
1:13
